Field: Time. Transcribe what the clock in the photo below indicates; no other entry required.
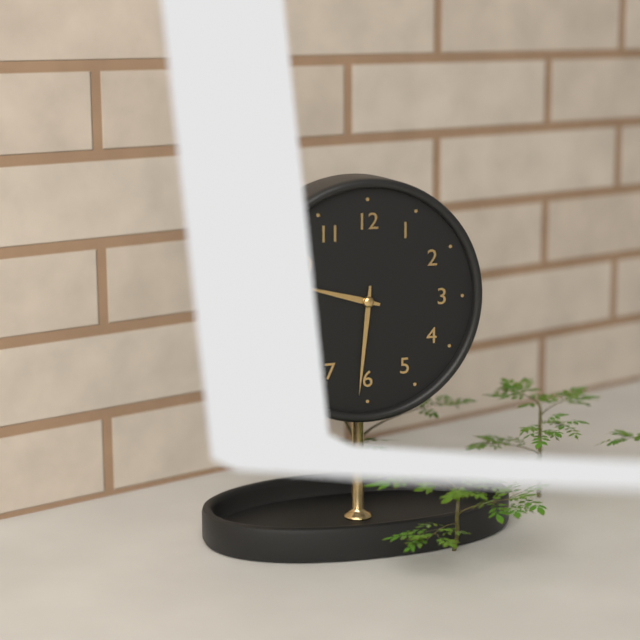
9:31
